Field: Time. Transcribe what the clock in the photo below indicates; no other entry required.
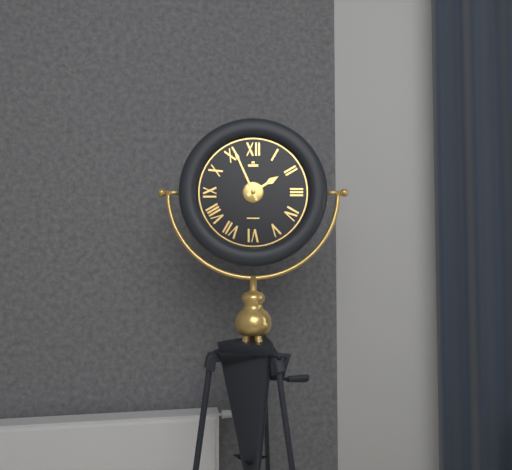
1:56
